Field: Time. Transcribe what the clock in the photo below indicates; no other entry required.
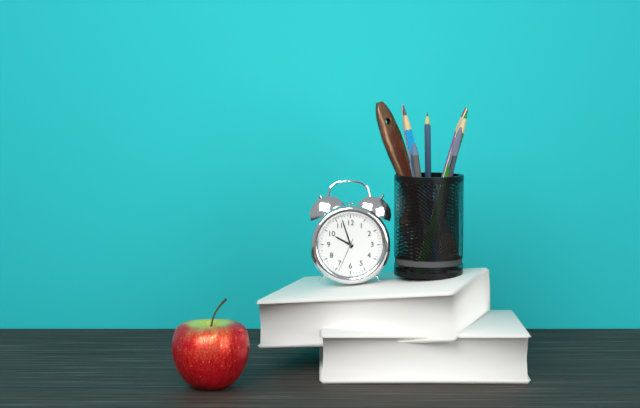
9:57
